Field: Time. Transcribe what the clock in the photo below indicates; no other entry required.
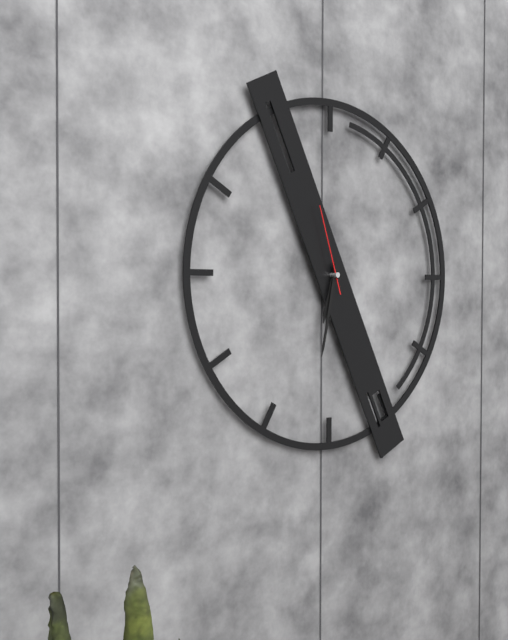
6:32:57
